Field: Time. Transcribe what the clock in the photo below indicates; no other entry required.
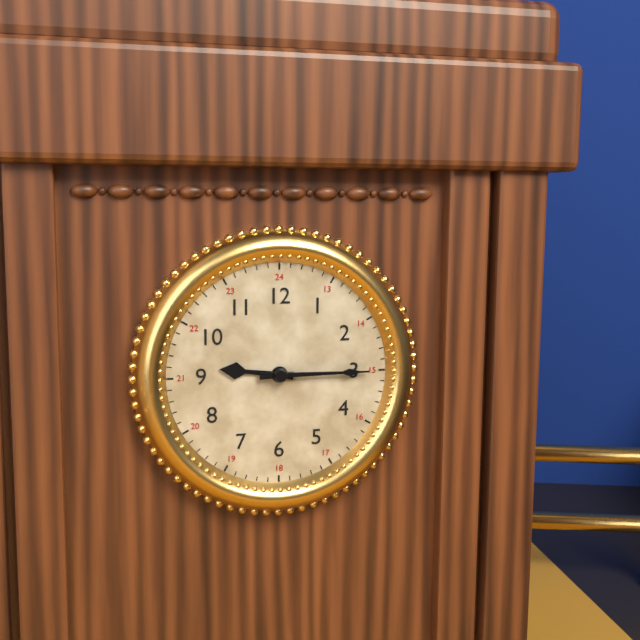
9:15
